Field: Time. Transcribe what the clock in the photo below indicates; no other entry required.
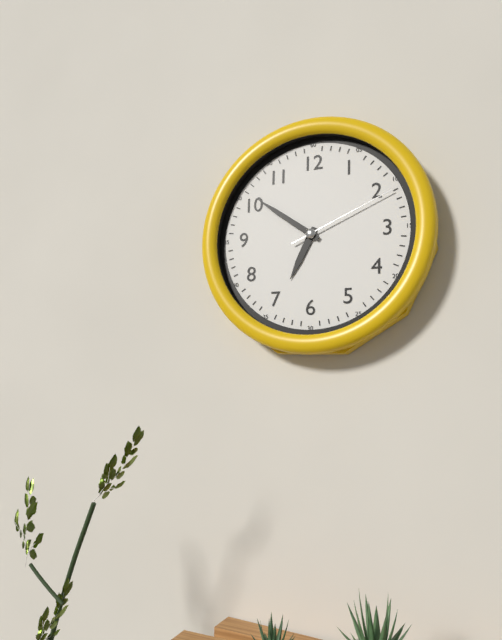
6:51:11
